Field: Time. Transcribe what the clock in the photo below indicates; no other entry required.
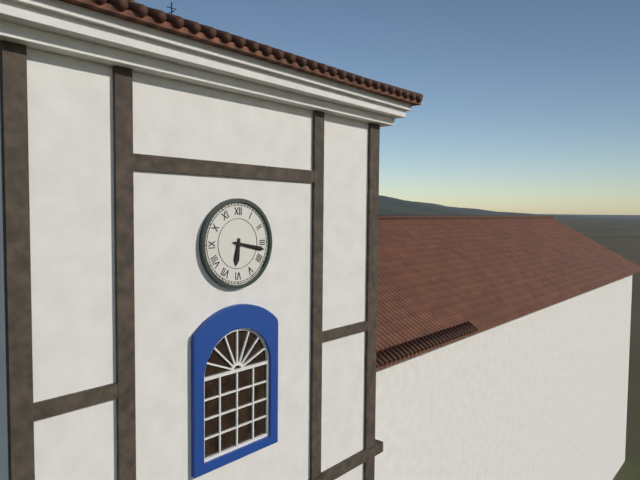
6:17
